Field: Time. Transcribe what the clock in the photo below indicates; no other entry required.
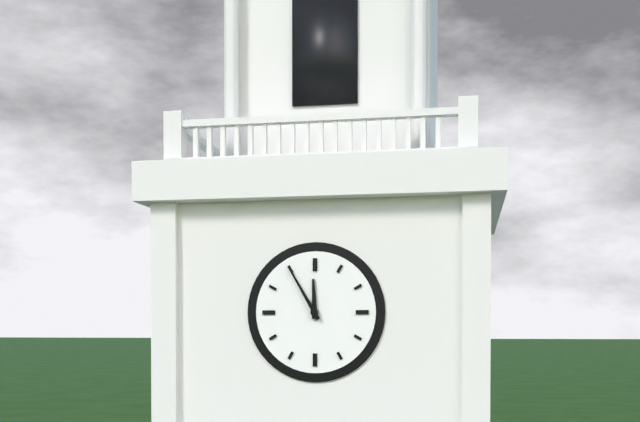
11:55
